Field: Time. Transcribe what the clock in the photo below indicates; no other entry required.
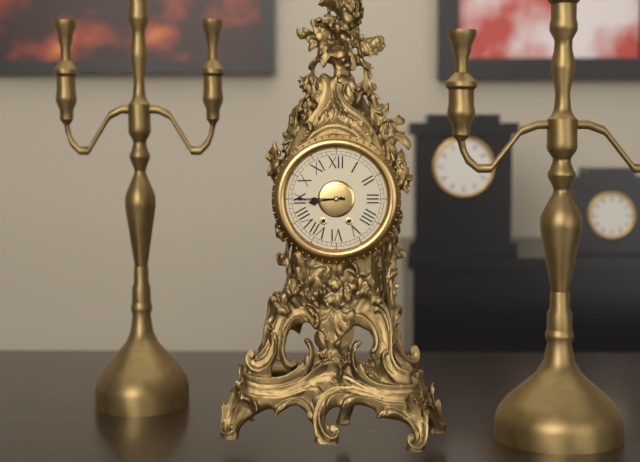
8:45
